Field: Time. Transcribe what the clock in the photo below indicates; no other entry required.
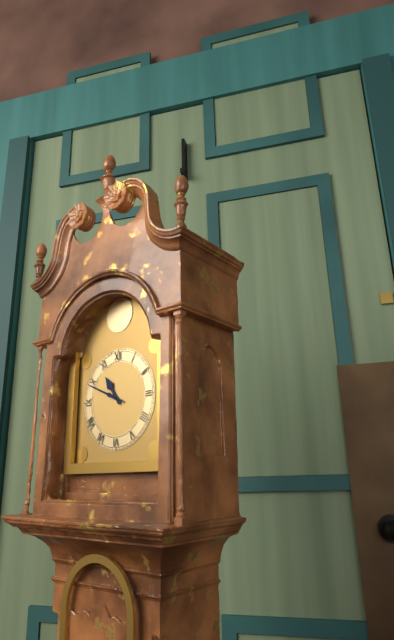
10:49
